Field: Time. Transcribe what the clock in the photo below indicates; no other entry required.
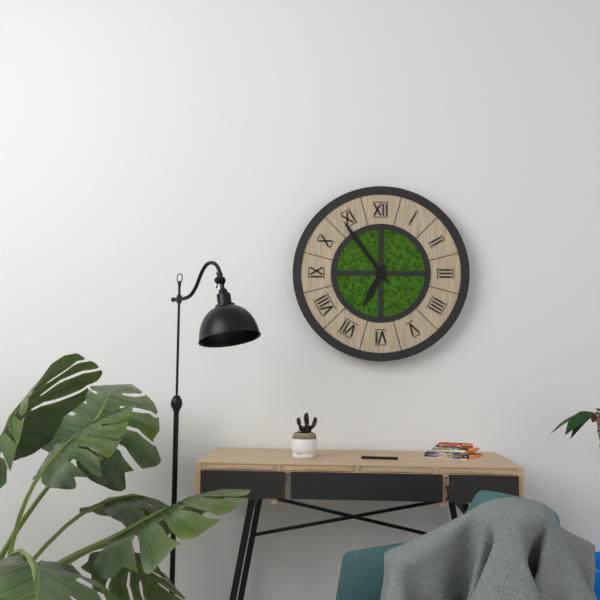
6:54
